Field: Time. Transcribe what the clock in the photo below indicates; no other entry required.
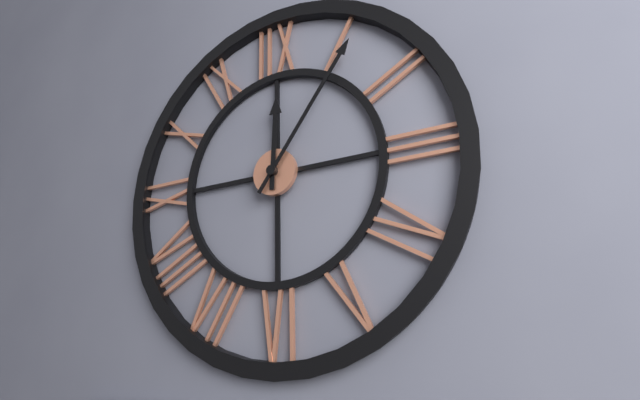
12:06
